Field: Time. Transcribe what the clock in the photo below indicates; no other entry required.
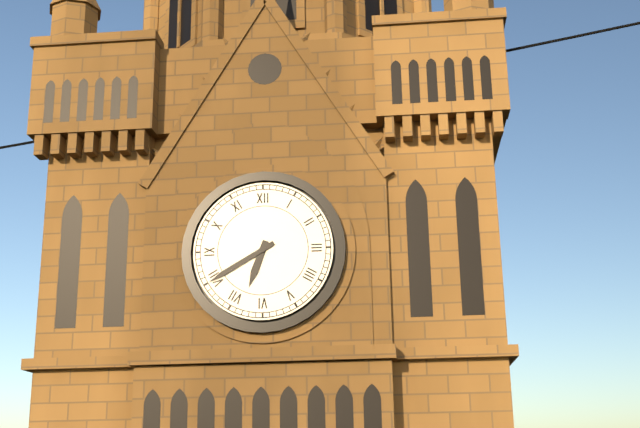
6:40
